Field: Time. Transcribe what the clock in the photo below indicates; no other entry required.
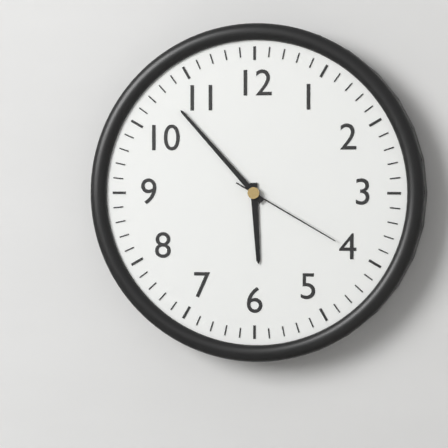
5:53:20
